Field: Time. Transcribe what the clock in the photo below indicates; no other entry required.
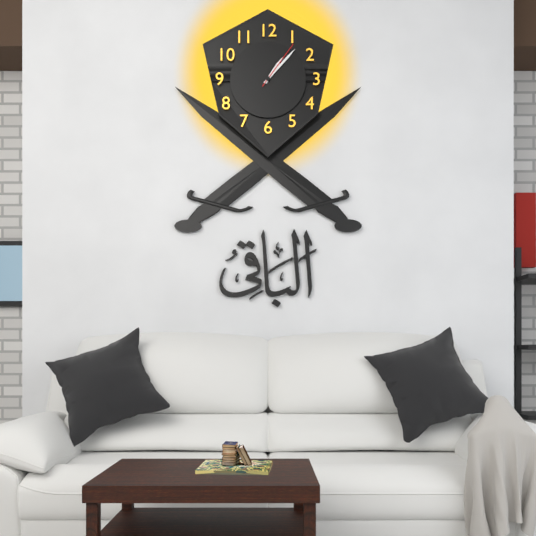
1:07:06
